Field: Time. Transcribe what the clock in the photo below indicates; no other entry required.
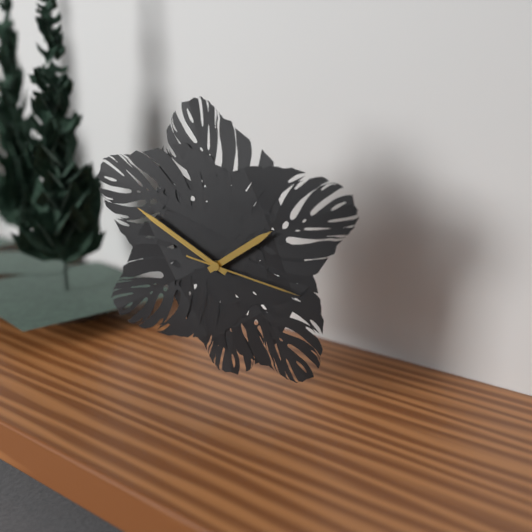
1:50:17
